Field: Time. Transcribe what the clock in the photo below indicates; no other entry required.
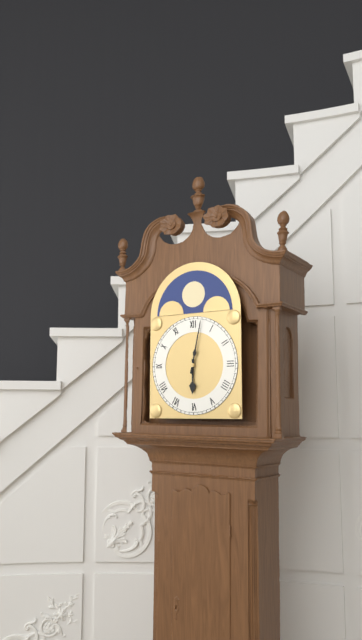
6:02
